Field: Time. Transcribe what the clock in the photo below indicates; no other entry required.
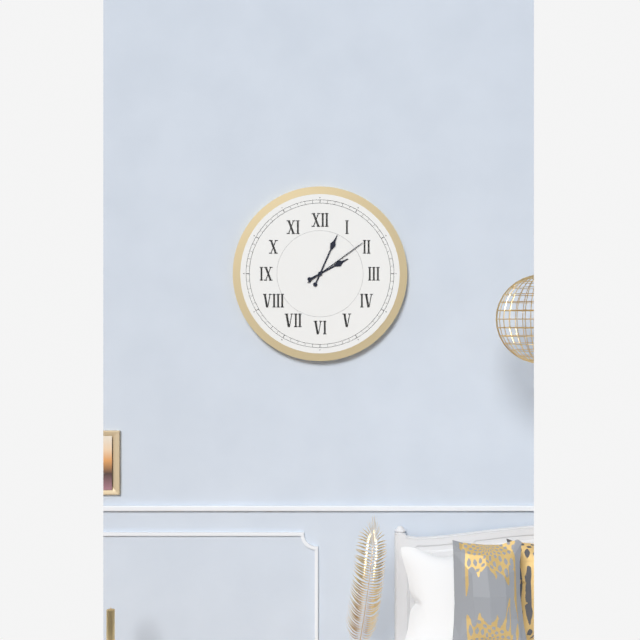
2:04:09
